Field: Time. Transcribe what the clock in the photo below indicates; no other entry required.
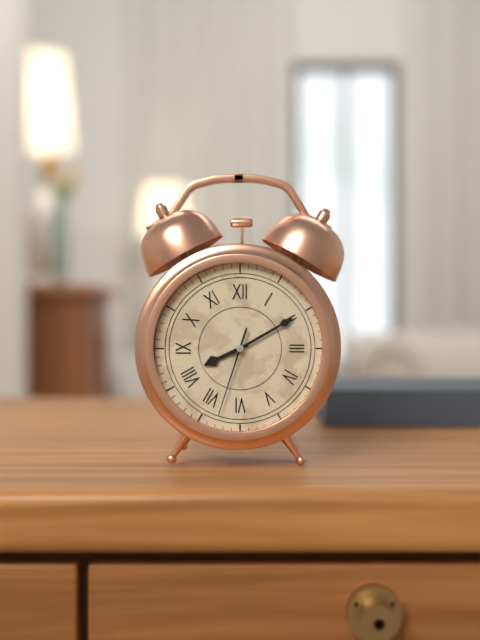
8:10:33
